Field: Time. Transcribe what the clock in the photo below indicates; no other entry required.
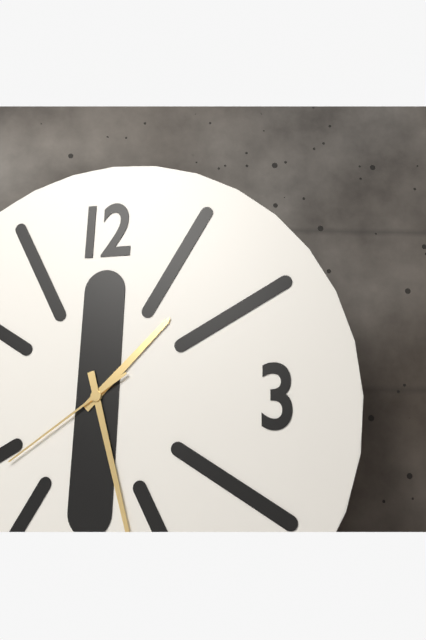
1:27:39
